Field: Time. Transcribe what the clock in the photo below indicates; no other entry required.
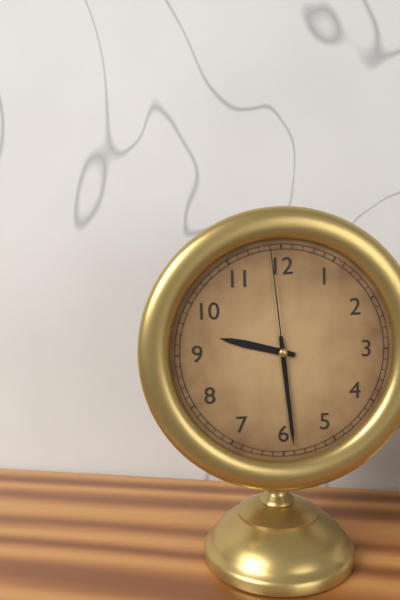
9:29:59
